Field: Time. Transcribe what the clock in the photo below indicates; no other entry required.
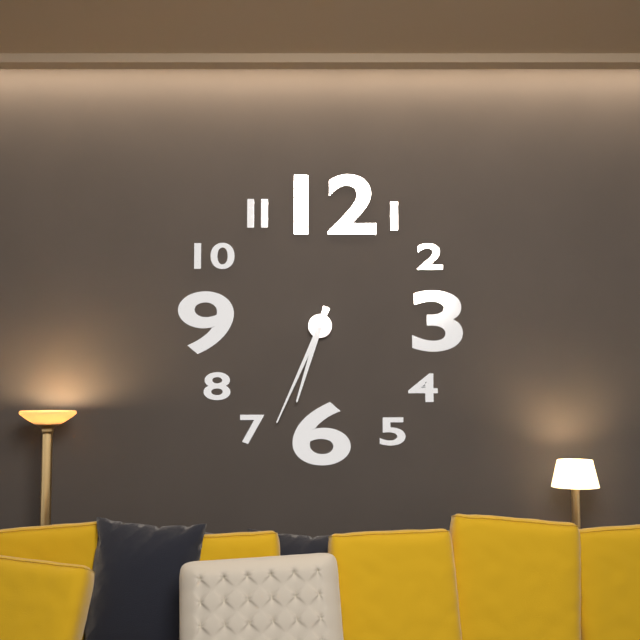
6:34
